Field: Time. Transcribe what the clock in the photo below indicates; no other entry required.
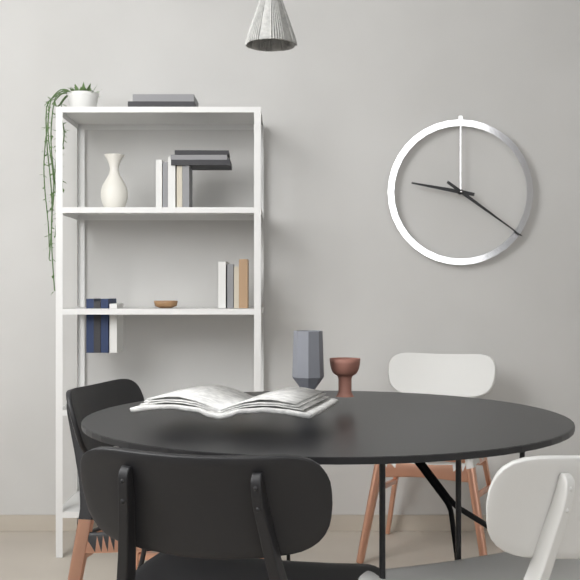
9:21
